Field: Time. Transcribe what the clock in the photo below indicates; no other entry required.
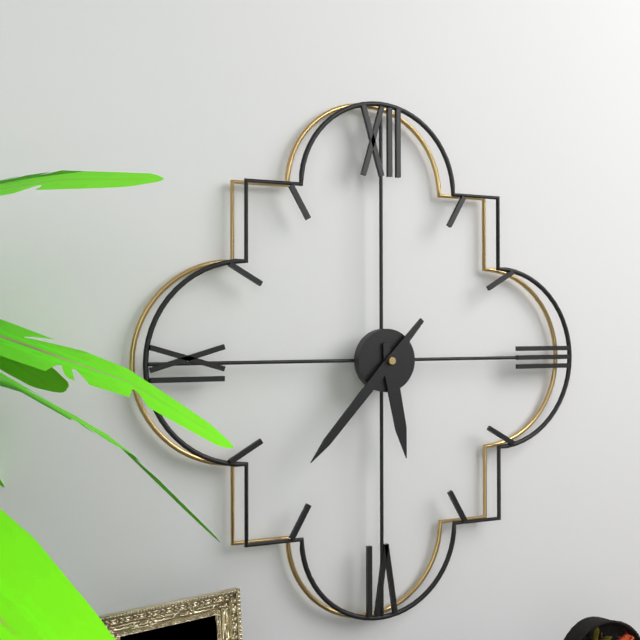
5:37
